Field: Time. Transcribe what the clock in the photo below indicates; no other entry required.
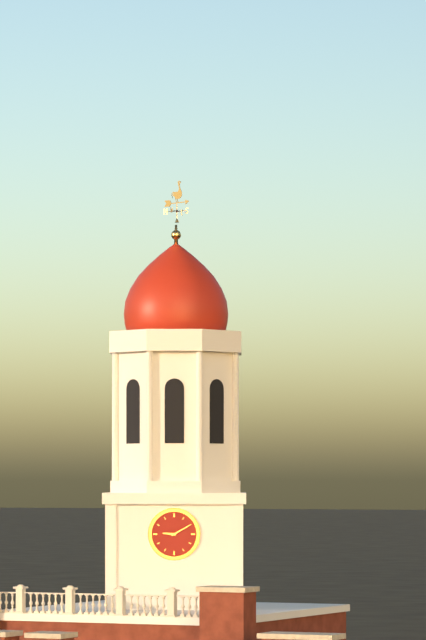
9:10
